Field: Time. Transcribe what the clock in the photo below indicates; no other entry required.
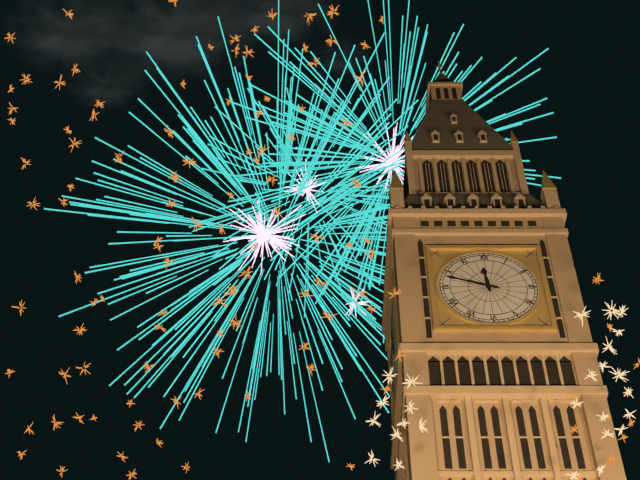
11:48
